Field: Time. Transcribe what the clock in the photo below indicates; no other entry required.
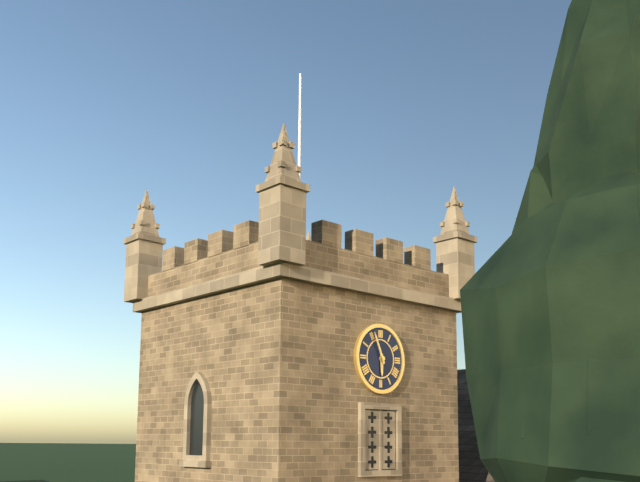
5:56
